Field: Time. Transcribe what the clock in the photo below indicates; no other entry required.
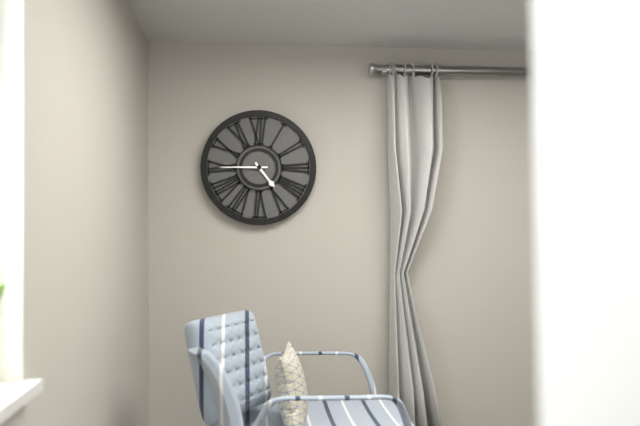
4:45
